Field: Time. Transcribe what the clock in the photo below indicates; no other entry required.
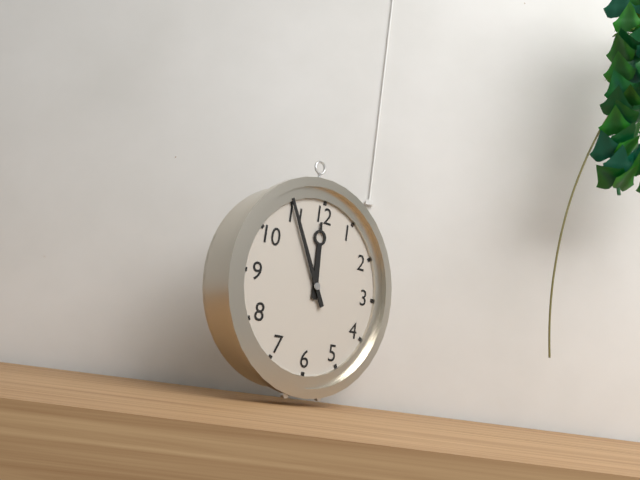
11:55
